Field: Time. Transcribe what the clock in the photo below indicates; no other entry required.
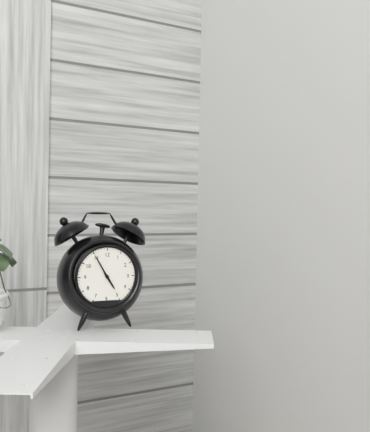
4:55
